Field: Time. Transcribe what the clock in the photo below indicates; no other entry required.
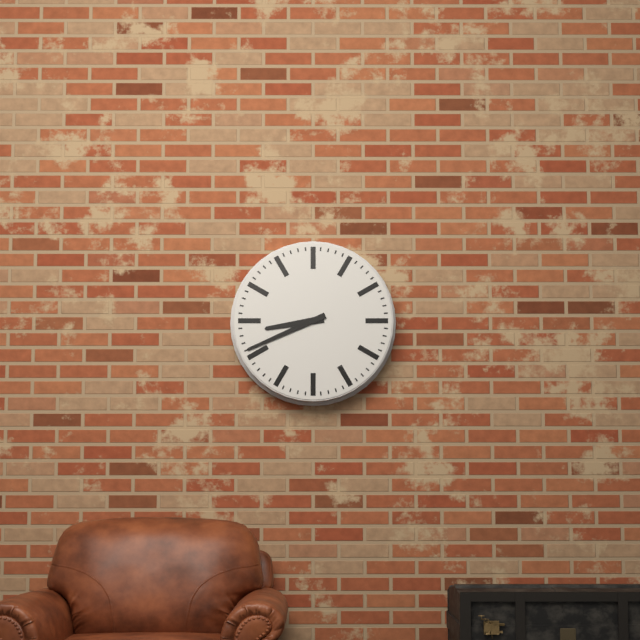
8:41
